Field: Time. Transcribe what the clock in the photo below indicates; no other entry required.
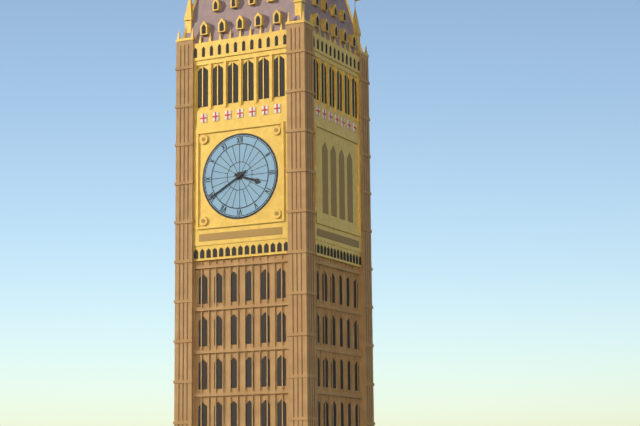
3:40
